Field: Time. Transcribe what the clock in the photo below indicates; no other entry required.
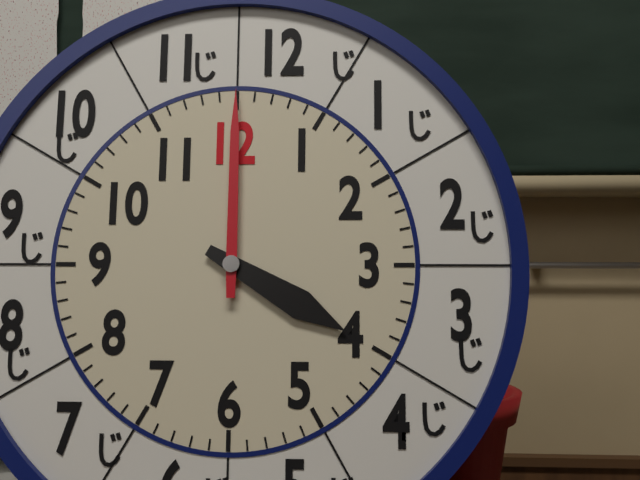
4:00
